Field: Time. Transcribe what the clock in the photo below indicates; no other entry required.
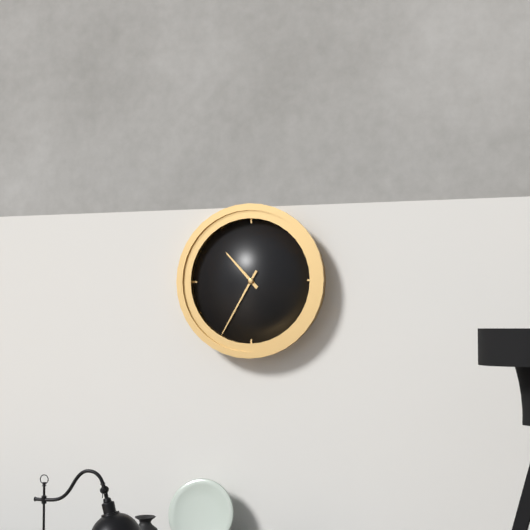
10:35
